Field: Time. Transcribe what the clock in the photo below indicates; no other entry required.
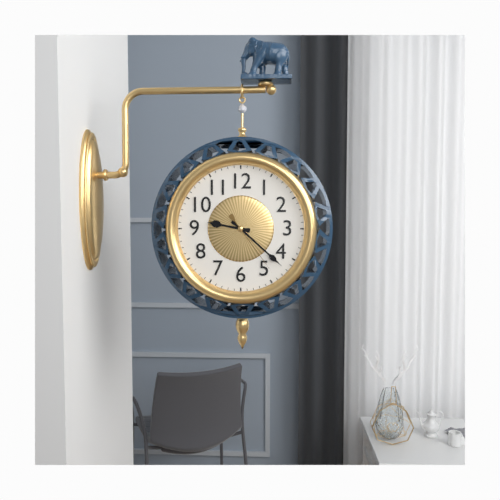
9:22:24
